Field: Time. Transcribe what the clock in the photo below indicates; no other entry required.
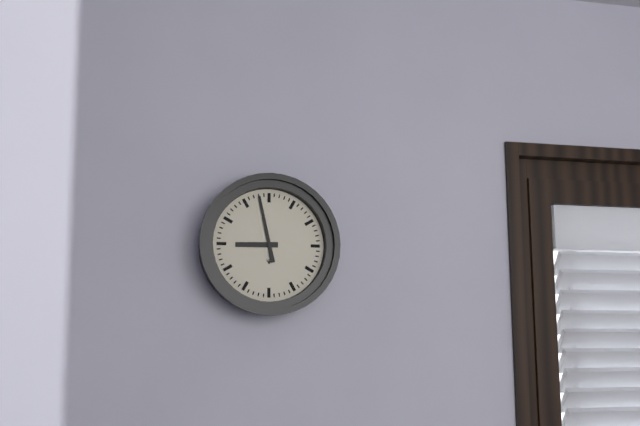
8:58
